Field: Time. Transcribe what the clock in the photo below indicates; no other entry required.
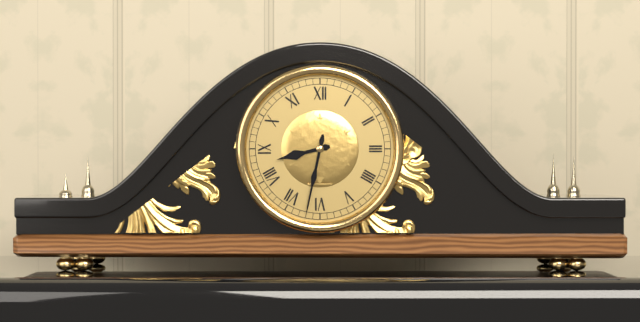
8:32
